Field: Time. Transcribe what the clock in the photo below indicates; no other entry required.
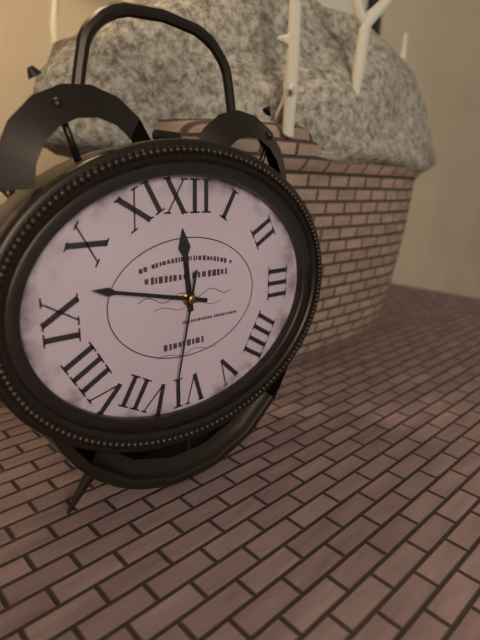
11:47:32
